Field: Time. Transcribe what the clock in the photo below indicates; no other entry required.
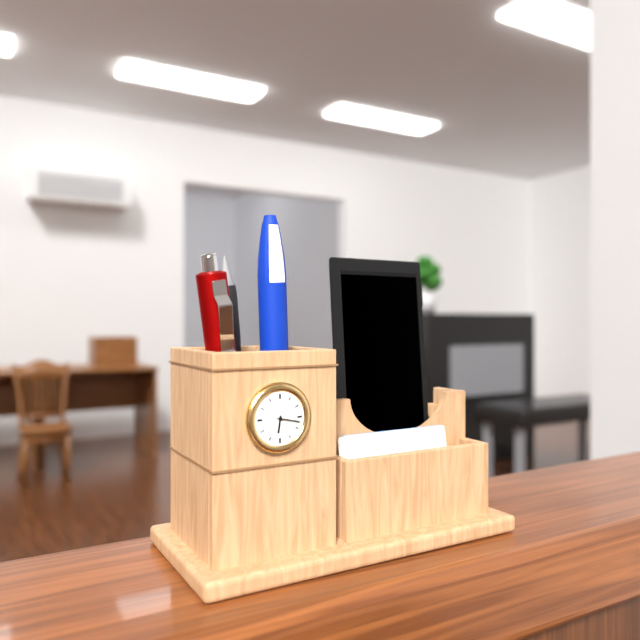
6:17
